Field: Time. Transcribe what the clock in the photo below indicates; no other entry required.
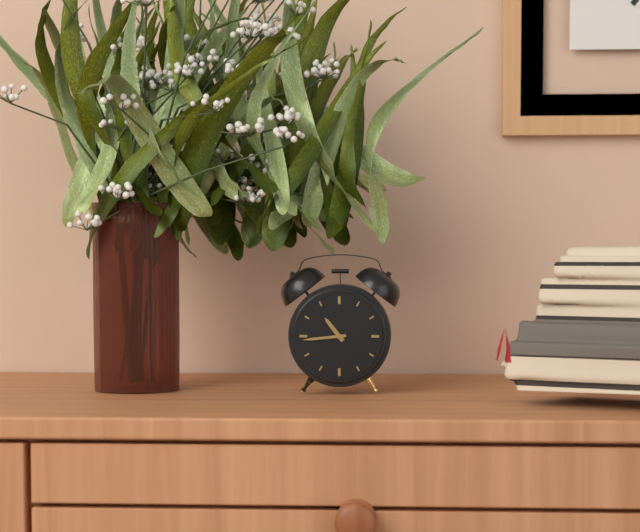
10:44
